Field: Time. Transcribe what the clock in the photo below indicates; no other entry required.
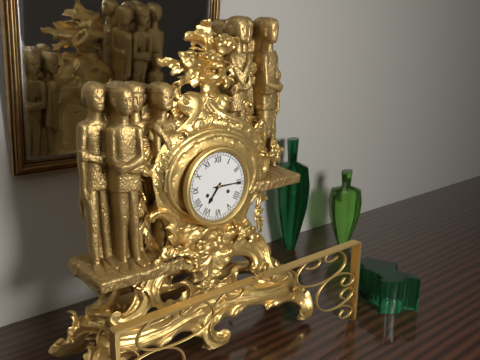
7:15
